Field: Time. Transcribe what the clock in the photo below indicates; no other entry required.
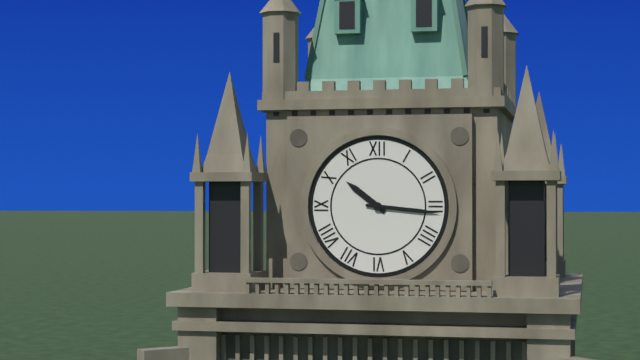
10:16
